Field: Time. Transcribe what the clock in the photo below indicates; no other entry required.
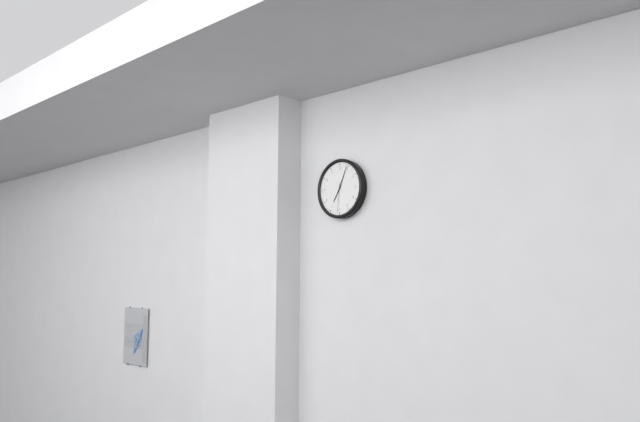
7:04
